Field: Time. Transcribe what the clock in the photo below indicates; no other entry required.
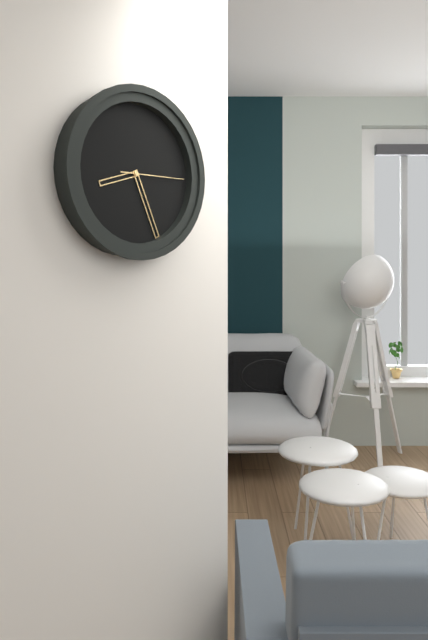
8:26:15
